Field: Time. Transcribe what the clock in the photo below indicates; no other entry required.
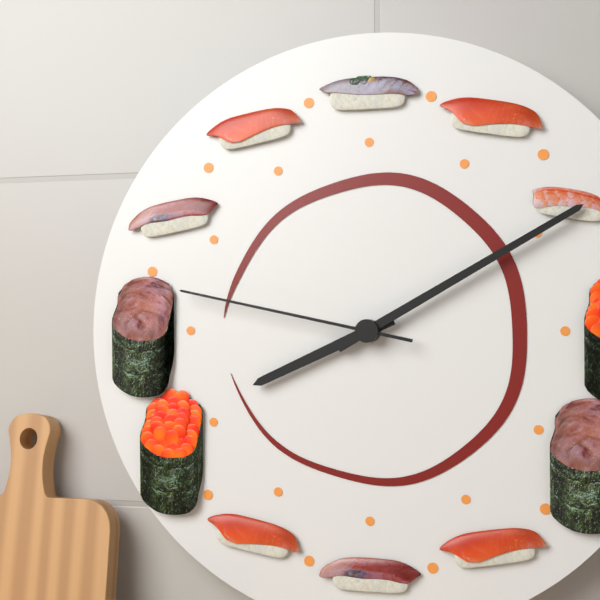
8:10:47
